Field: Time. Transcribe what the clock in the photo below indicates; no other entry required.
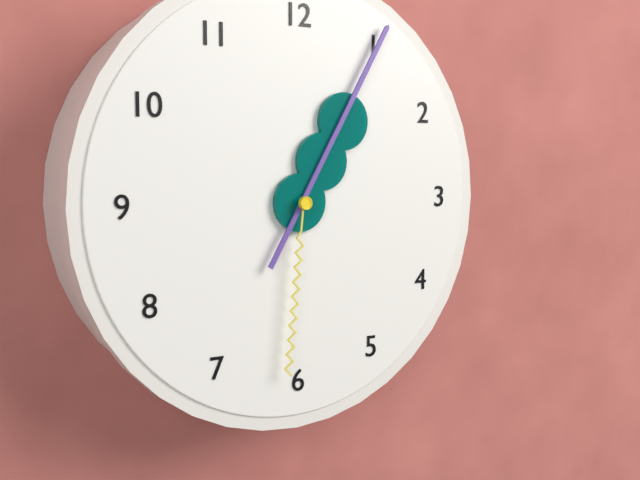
1:05:31
